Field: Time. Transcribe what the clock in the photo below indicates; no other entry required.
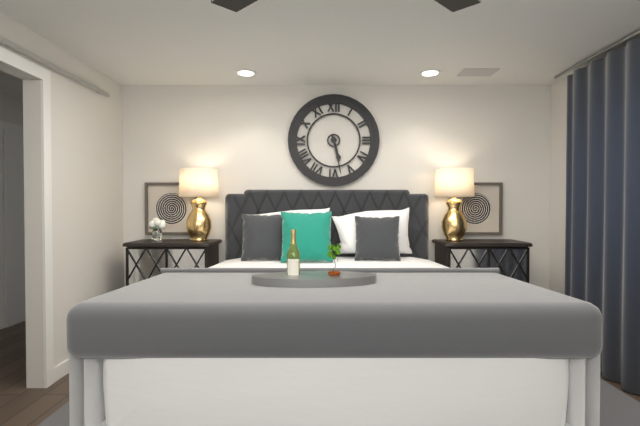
5:28
